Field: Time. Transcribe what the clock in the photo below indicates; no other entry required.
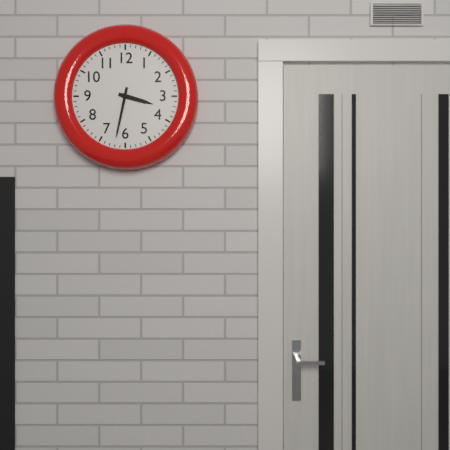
3:32
